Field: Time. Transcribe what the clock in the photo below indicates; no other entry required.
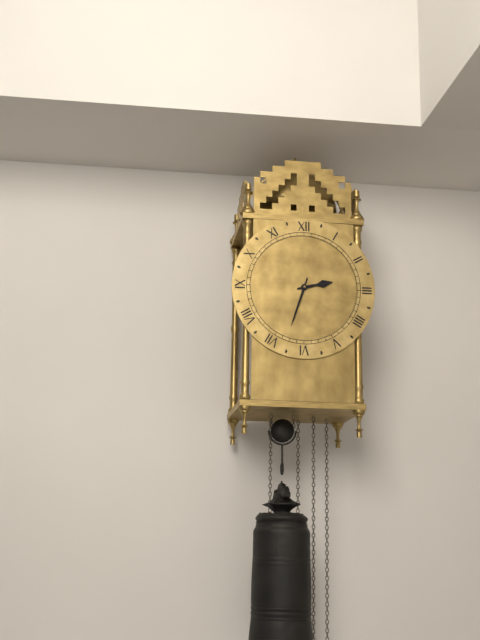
2:33
